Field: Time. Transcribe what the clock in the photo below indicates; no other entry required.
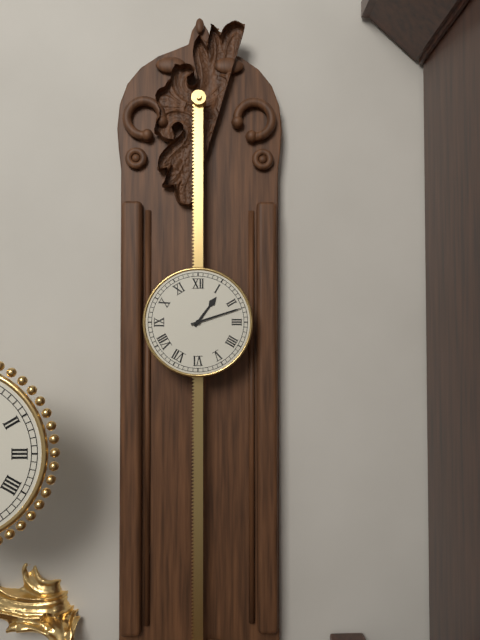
1:12
